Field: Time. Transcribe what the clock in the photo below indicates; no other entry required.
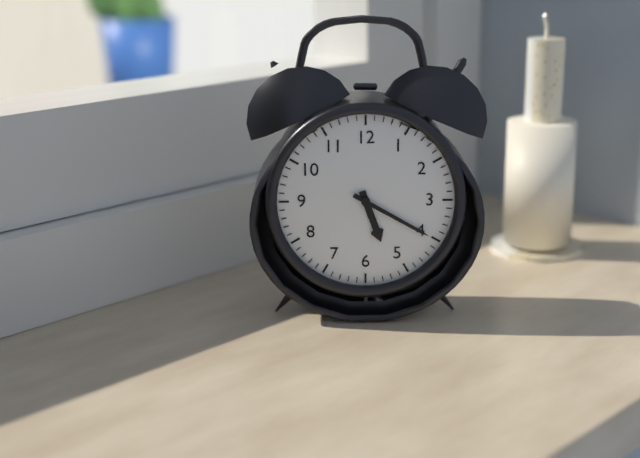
5:20
